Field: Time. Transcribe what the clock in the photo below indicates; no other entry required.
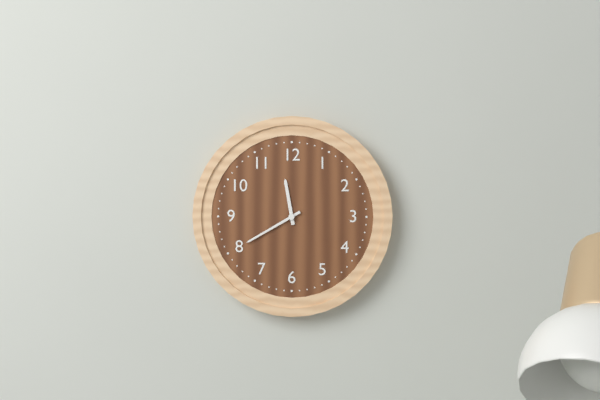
11:40
